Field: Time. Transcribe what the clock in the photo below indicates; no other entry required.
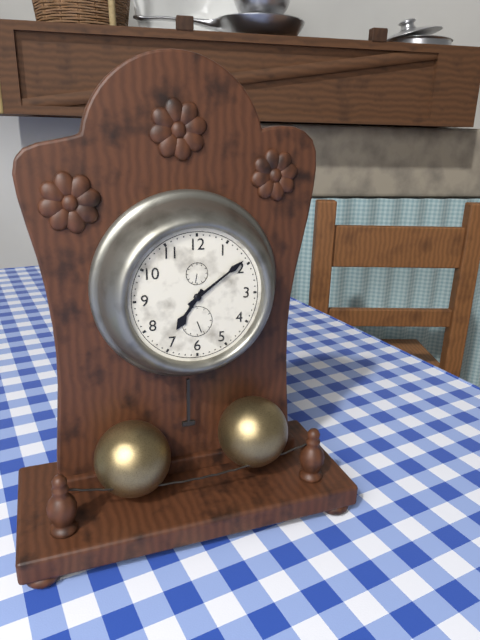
7:09
